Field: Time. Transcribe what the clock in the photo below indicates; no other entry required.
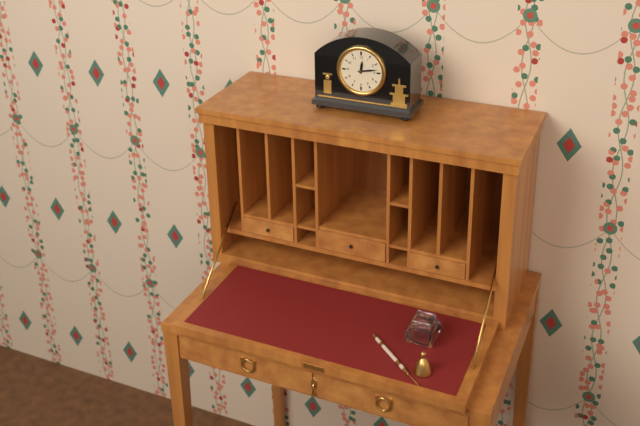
12:13
